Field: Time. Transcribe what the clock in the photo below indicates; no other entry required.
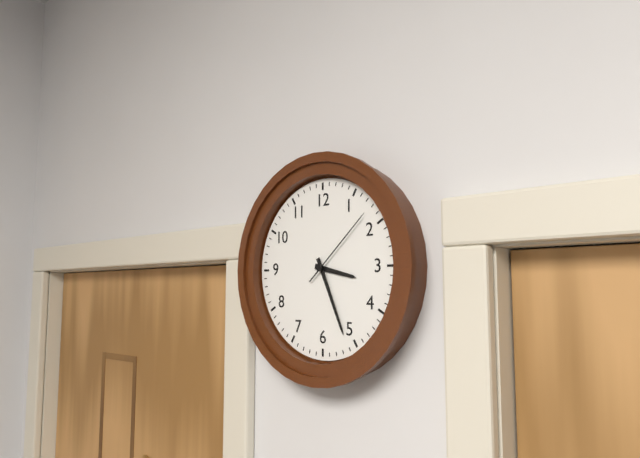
3:26:08
